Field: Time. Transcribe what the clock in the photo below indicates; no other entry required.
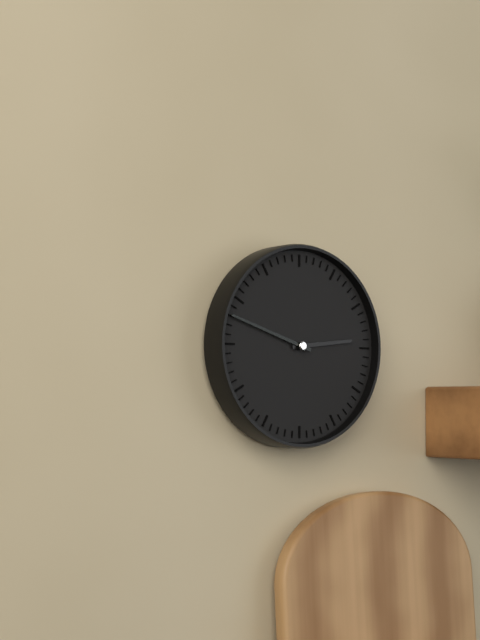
2:48
